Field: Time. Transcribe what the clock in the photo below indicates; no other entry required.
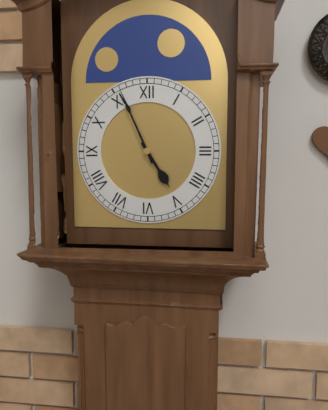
4:56
